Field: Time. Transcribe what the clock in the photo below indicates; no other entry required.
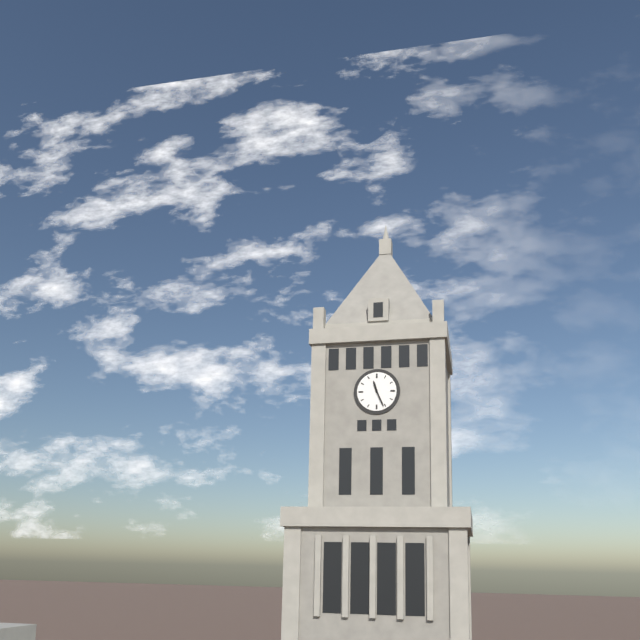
11:26
